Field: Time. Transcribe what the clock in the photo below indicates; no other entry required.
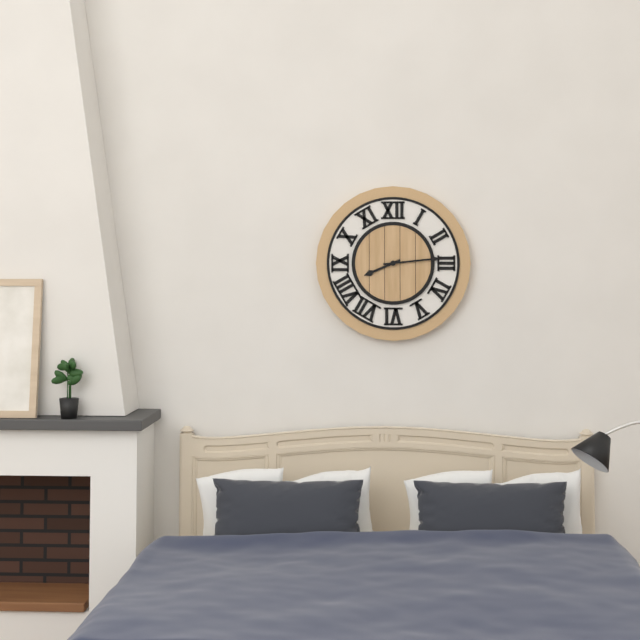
8:14
